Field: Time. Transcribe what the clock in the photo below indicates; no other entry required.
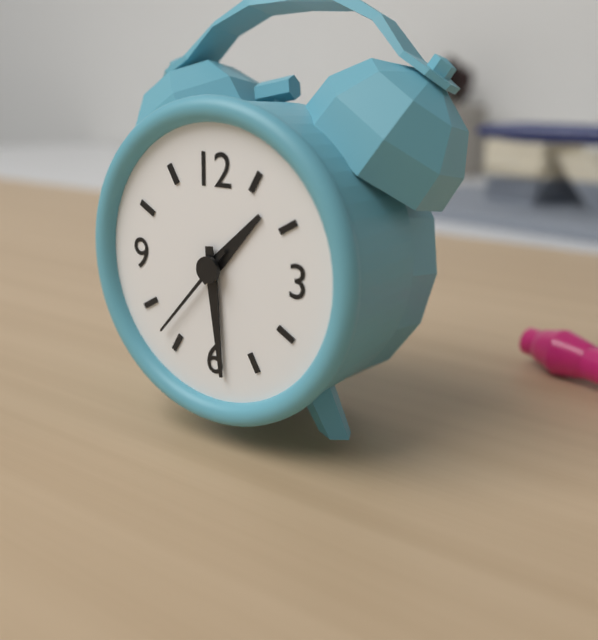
1:29:37
